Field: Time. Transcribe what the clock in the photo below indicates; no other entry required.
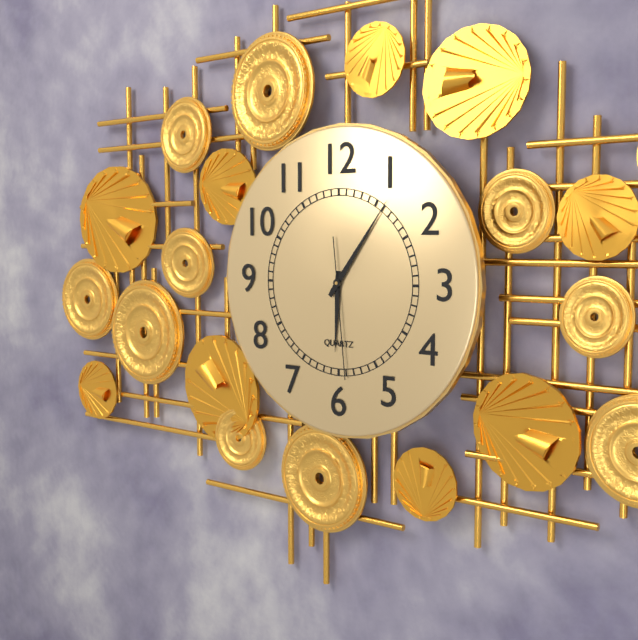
6:06:29
